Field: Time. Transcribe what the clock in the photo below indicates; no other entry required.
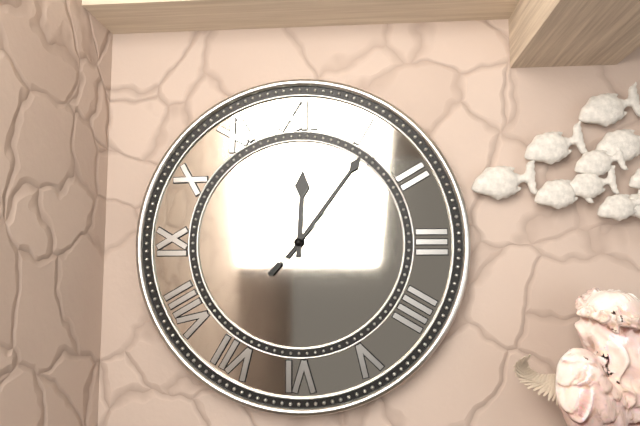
12:06:07
